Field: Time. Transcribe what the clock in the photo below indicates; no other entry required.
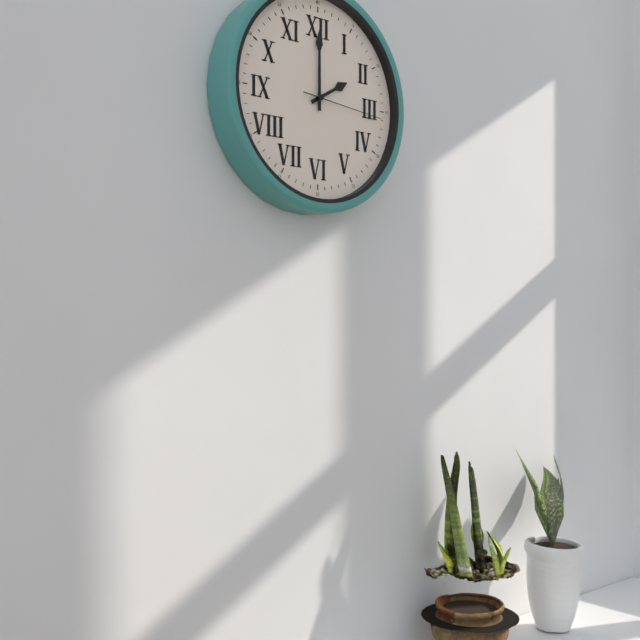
2:00:16
